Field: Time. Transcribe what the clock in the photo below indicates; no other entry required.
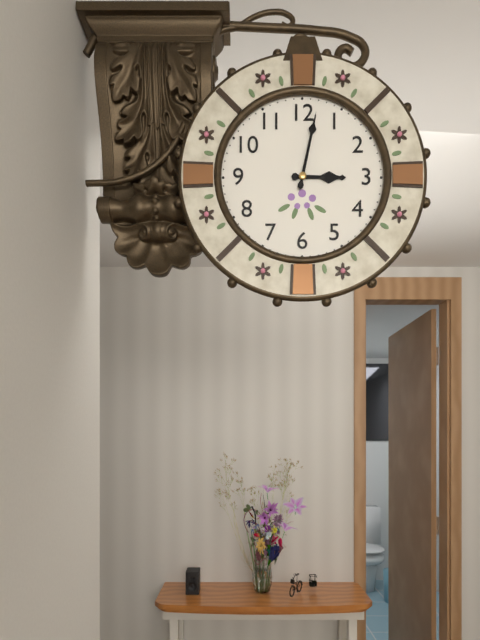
3:02
